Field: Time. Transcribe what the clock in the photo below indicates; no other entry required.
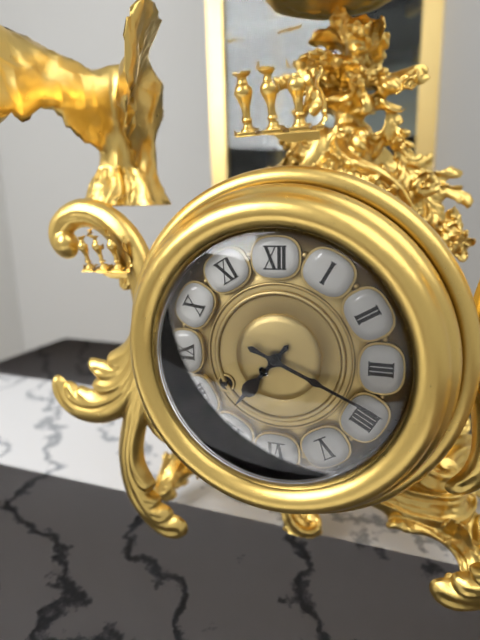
7:19
